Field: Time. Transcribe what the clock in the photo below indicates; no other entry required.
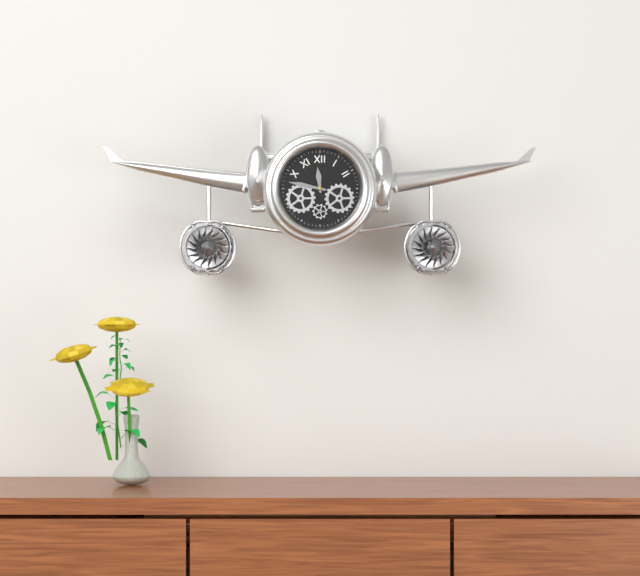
11:47
